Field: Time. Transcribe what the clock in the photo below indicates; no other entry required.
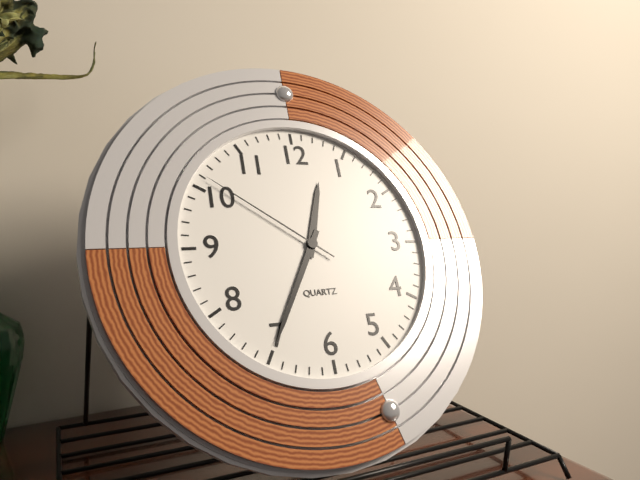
12:35:51
